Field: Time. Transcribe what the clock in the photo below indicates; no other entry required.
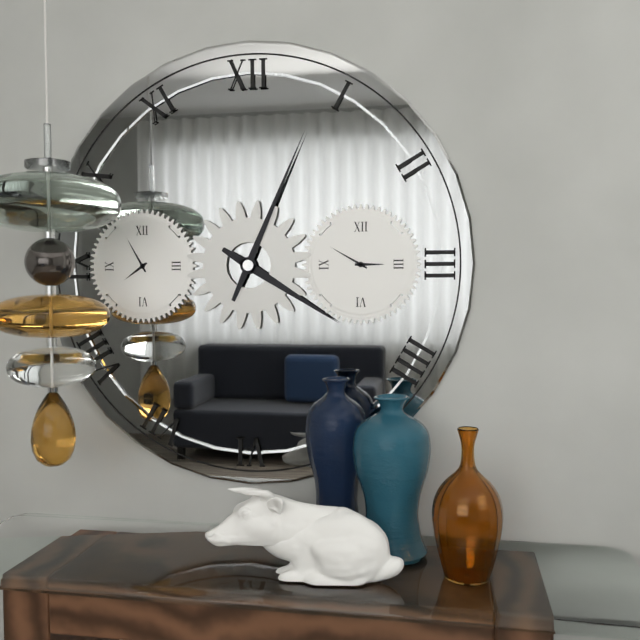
4:04
